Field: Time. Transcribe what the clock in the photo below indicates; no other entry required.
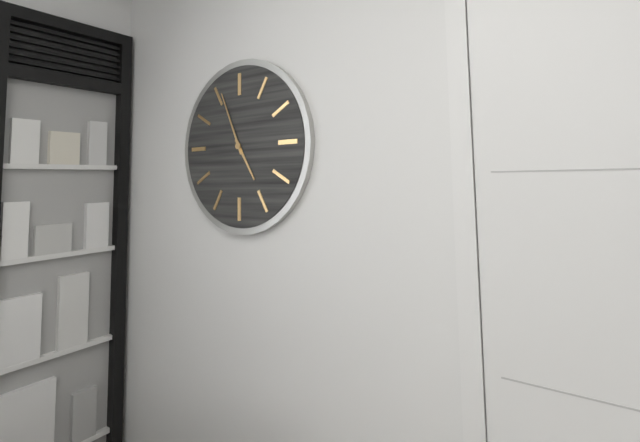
4:56
